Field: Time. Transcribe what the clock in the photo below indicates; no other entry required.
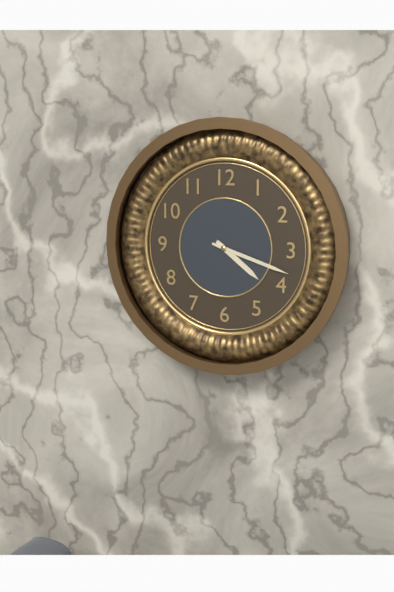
4:18
